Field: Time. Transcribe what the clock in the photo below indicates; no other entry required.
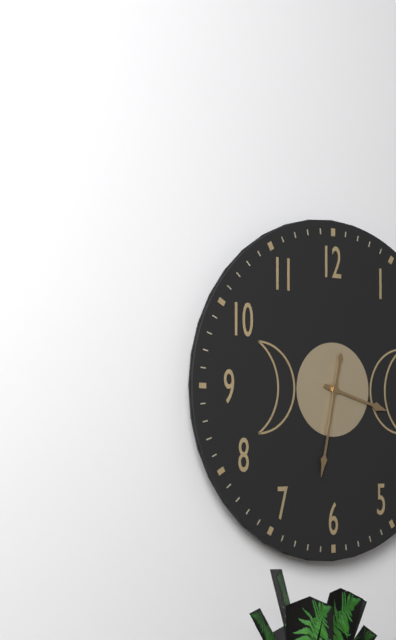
3:32
